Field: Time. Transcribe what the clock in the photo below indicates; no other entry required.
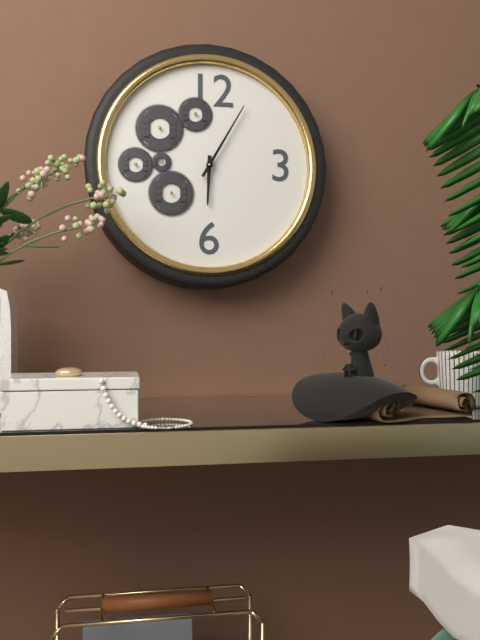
6:05
